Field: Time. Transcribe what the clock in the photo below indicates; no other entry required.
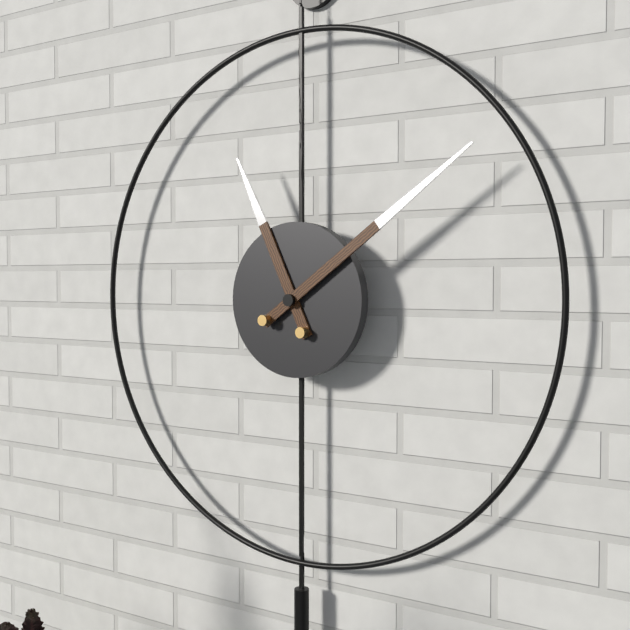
11:09
